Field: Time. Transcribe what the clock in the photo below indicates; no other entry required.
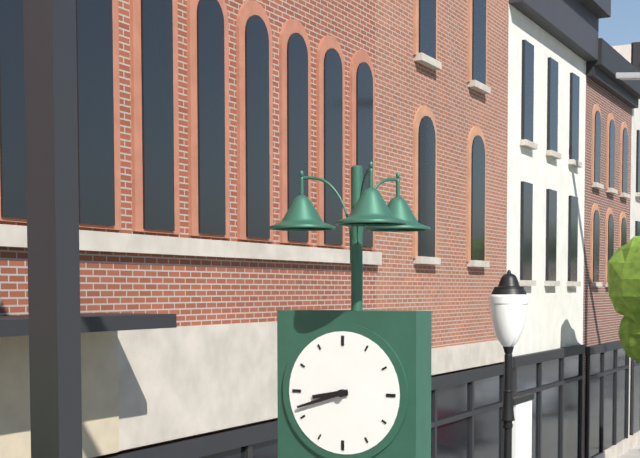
8:42
